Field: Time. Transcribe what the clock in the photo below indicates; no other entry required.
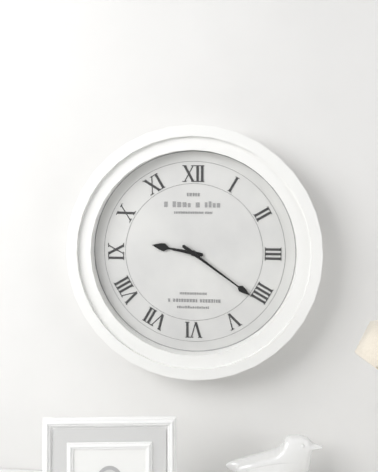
9:21
